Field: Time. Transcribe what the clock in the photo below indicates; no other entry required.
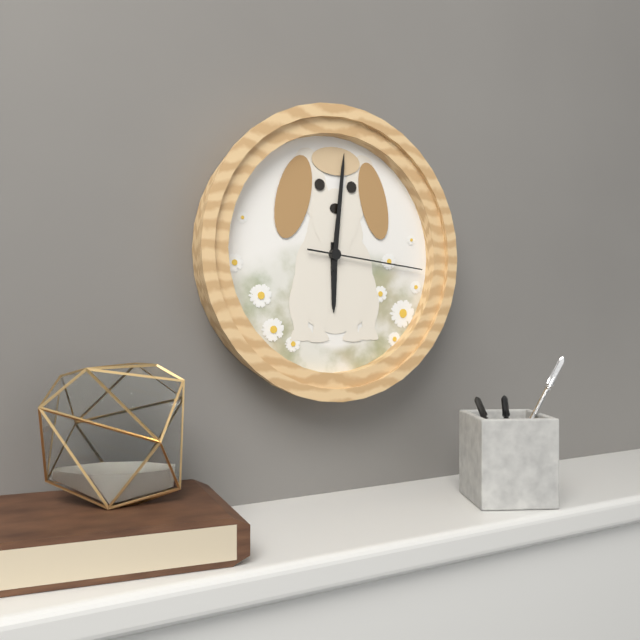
6:01:16
